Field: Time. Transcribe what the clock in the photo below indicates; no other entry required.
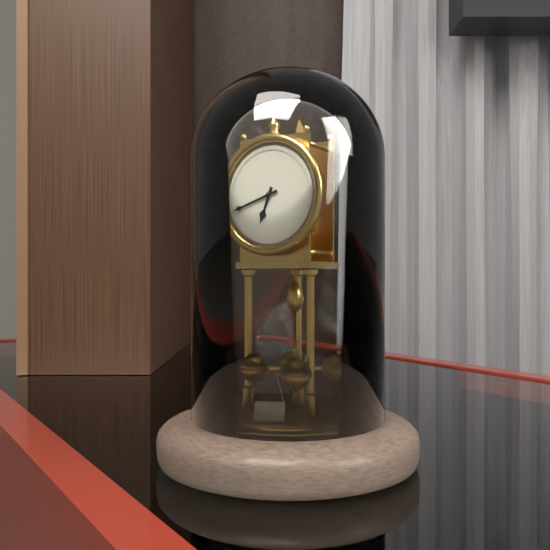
6:42
